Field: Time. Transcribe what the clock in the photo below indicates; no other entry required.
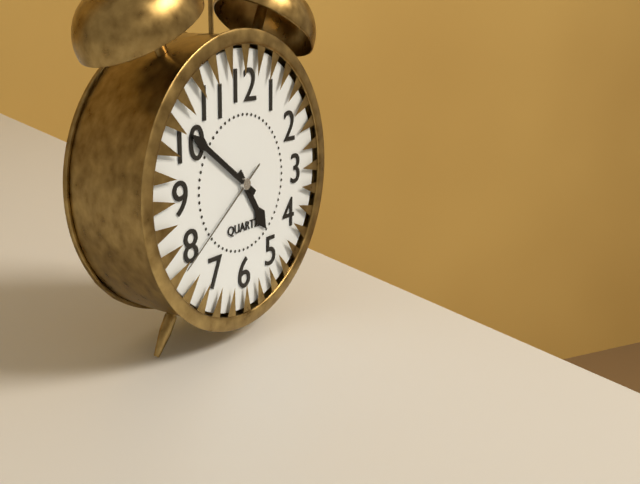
4:51:39
